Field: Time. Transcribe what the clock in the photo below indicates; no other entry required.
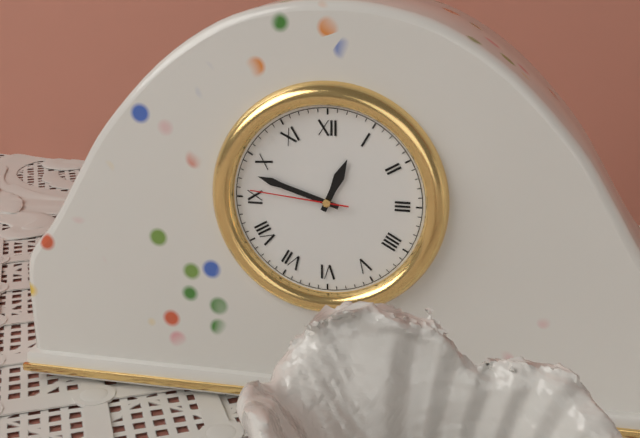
12:48:46
